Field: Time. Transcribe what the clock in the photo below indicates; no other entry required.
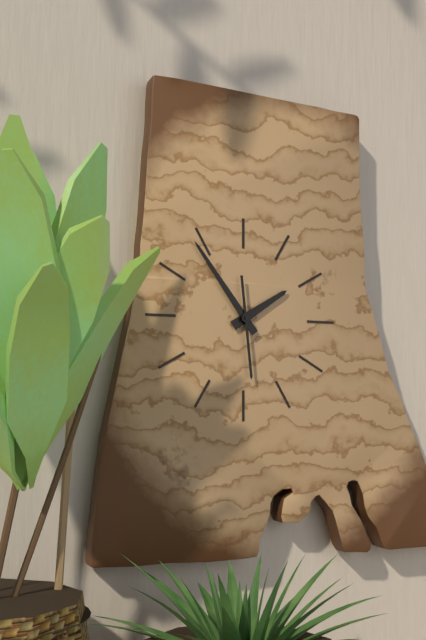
1:54:29
